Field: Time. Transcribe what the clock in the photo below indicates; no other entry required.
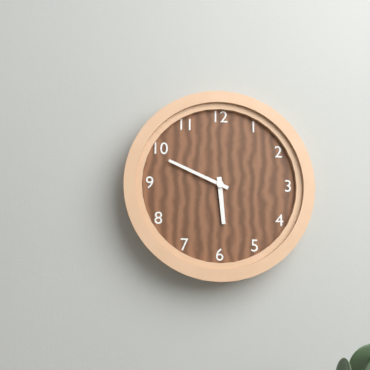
5:49
